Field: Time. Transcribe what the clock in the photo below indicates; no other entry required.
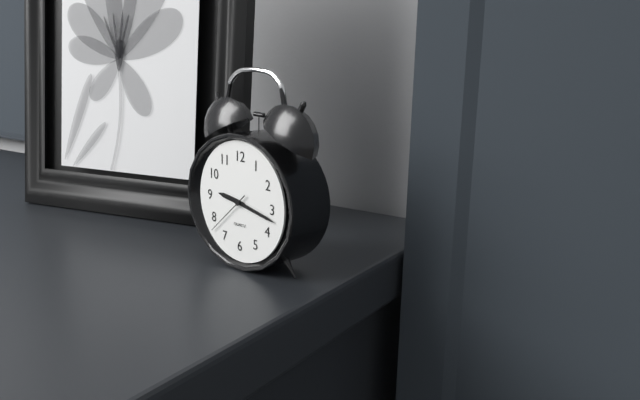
9:17
